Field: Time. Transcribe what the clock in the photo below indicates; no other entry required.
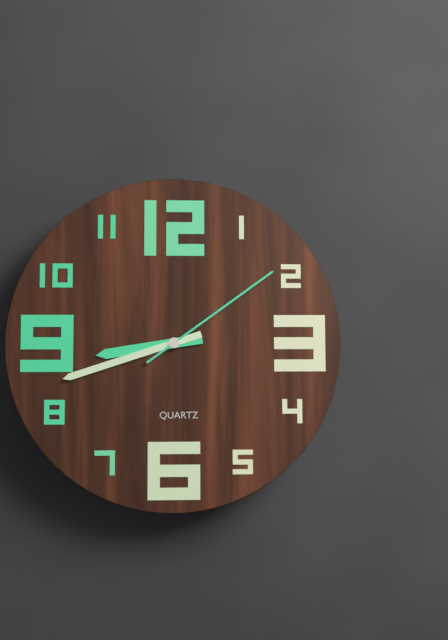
8:42:09
